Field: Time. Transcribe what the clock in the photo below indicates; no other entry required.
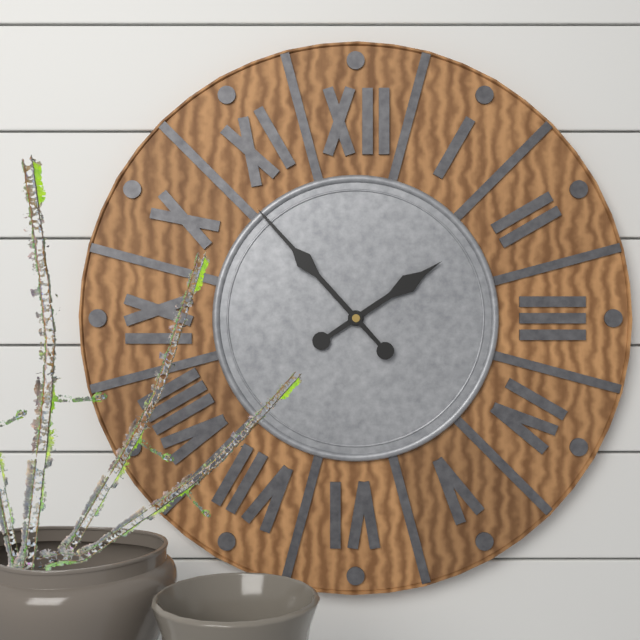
1:53
